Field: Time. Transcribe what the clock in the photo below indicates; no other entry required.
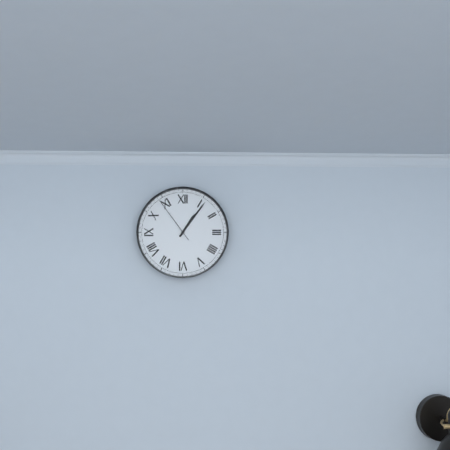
1:06:54
